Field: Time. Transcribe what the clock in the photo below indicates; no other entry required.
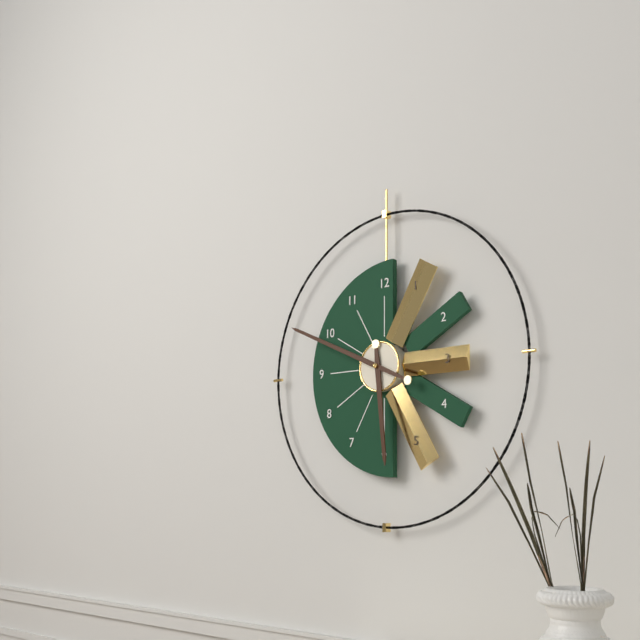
5:49
